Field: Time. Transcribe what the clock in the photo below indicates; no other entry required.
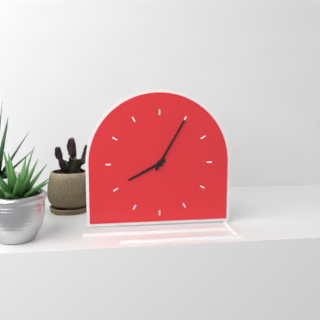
8:05
